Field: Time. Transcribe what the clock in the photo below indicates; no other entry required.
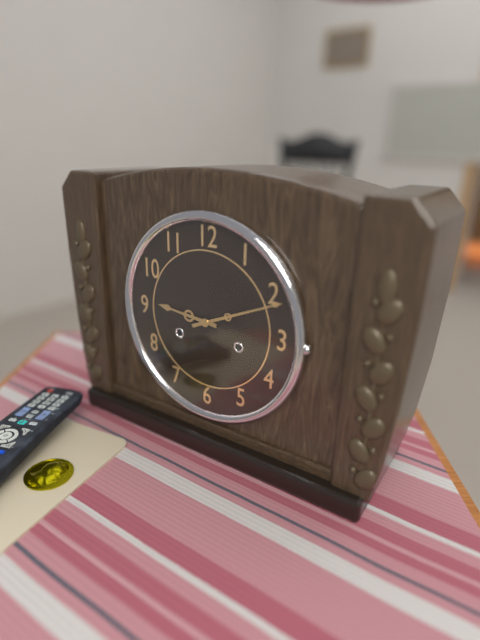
9:11
